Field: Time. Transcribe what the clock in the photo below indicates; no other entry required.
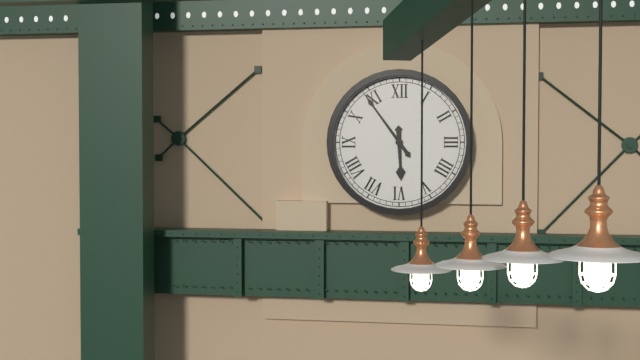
5:54
